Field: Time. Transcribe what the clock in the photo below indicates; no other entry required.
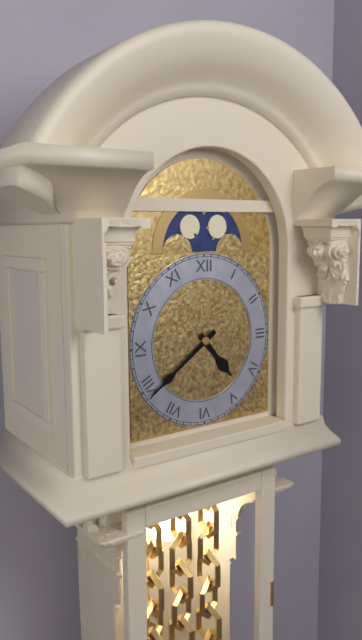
4:39
